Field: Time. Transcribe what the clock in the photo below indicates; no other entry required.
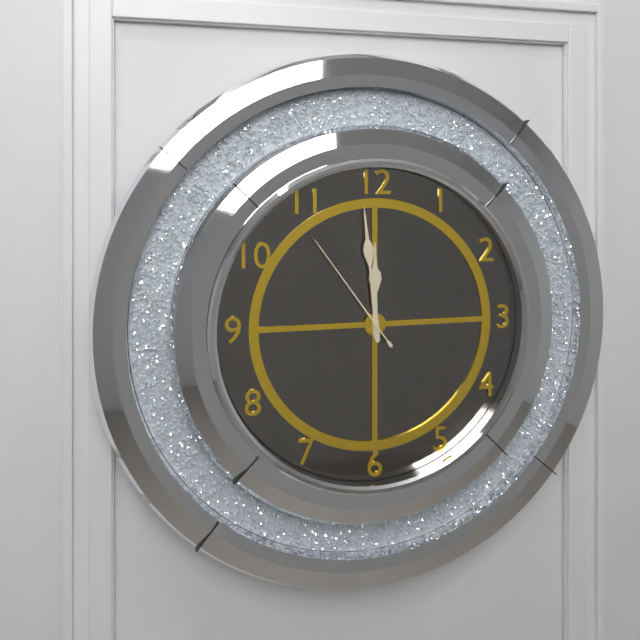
11:59:54
